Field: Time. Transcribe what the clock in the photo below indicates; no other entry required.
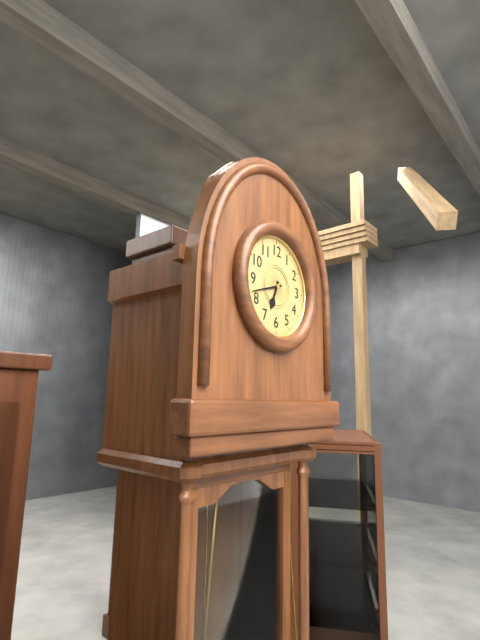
6:42
